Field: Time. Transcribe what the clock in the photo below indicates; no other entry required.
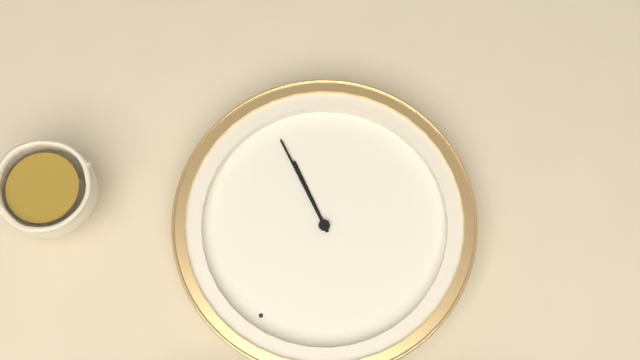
3:16
